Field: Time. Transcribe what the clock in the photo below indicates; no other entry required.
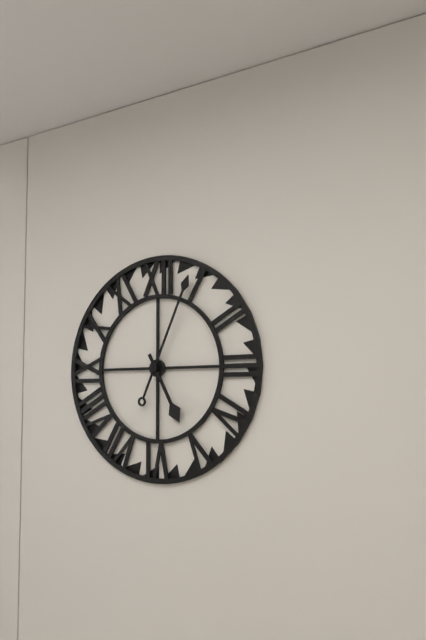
5:04
